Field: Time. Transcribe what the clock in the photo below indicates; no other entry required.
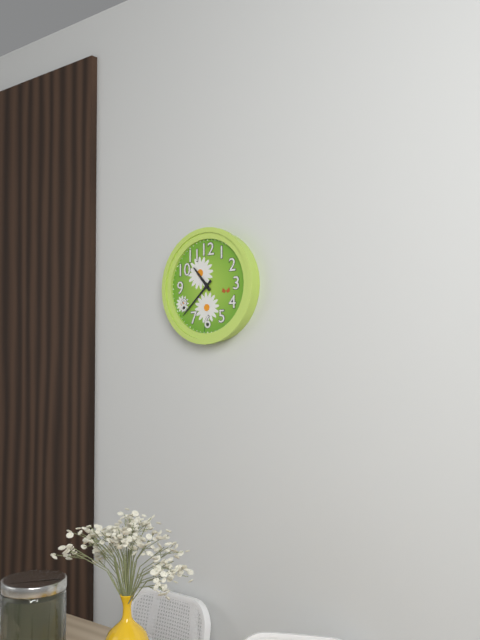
10:38
